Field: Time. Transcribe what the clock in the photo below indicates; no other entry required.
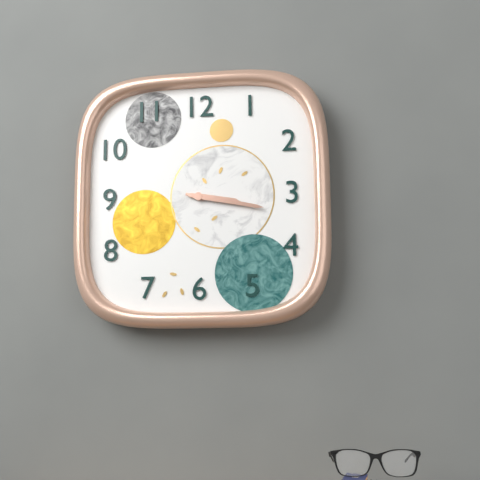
3:17
